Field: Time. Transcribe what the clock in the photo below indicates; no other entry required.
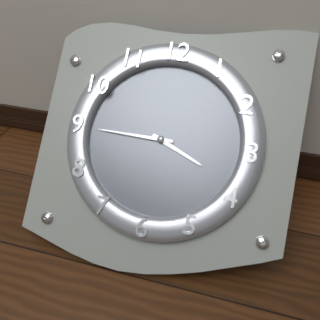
3:45
